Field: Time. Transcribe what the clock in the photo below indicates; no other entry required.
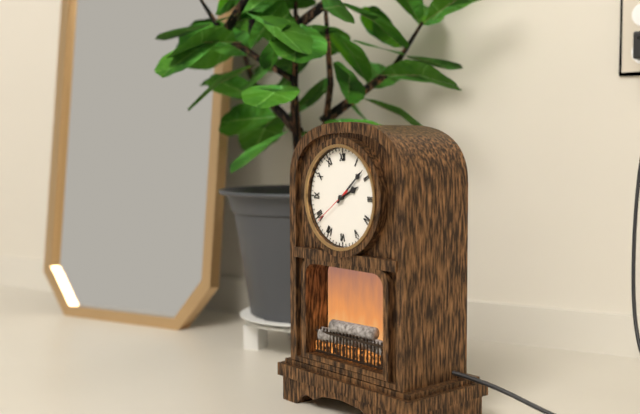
2:08:39
